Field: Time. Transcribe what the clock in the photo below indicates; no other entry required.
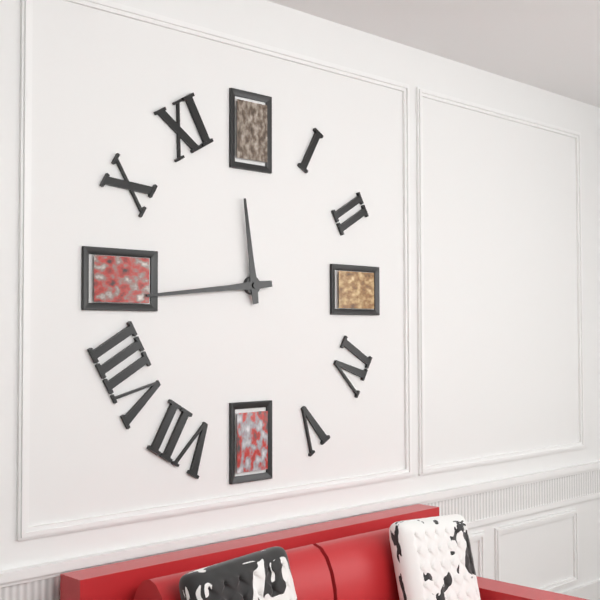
11:44
